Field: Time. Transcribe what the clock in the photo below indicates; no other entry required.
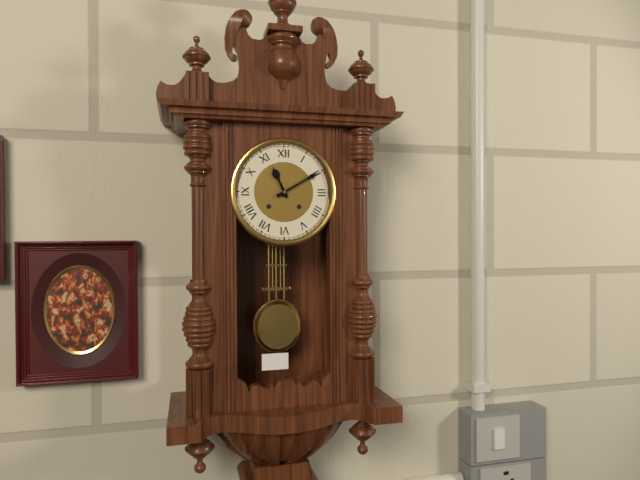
11:10
